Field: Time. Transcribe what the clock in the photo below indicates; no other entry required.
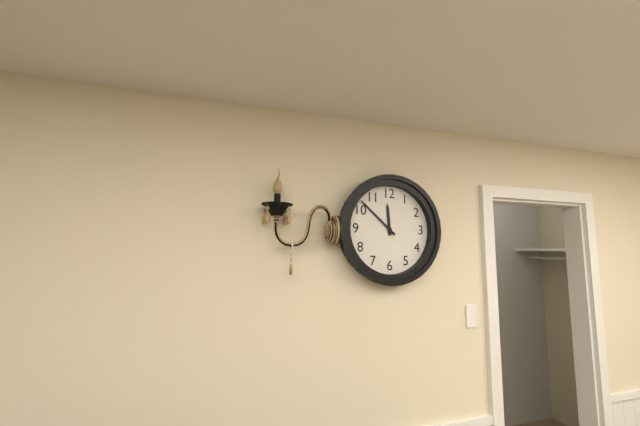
11:52
